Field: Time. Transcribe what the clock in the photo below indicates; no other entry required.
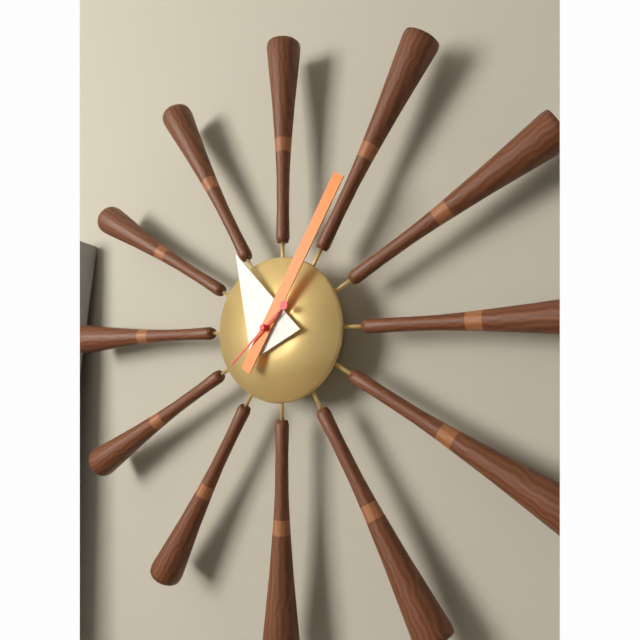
11:05:38
